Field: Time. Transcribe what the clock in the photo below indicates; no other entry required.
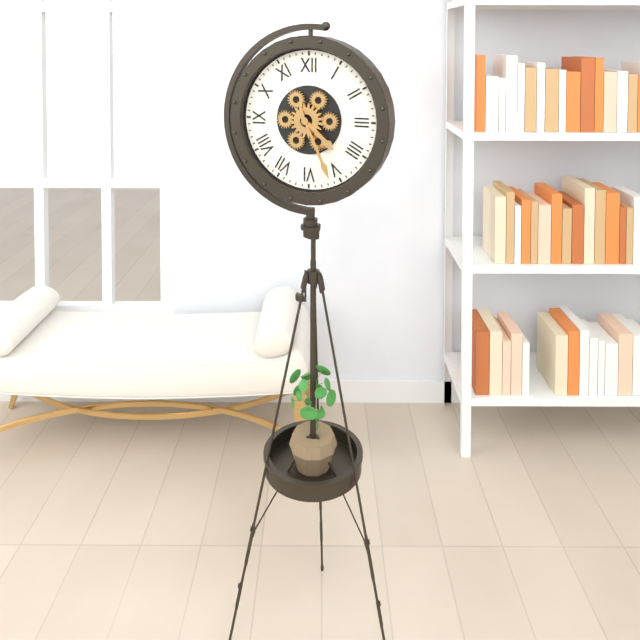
4:26
